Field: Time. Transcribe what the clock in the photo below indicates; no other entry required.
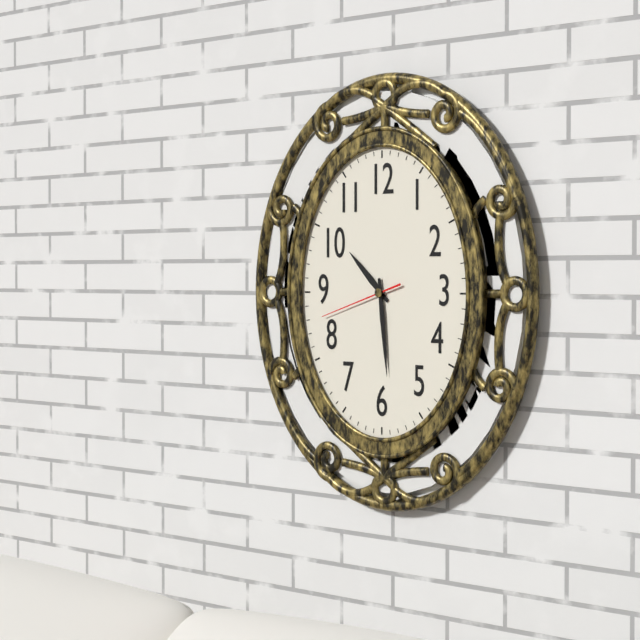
10:29:42
